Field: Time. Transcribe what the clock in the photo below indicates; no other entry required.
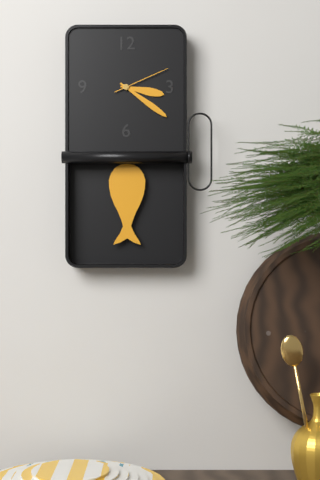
3:21:11
